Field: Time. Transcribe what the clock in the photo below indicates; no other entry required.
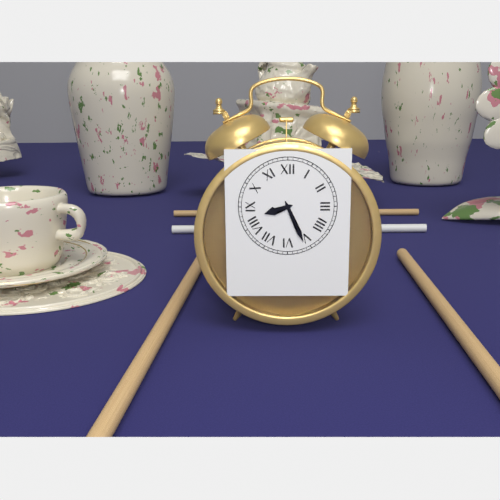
8:26
